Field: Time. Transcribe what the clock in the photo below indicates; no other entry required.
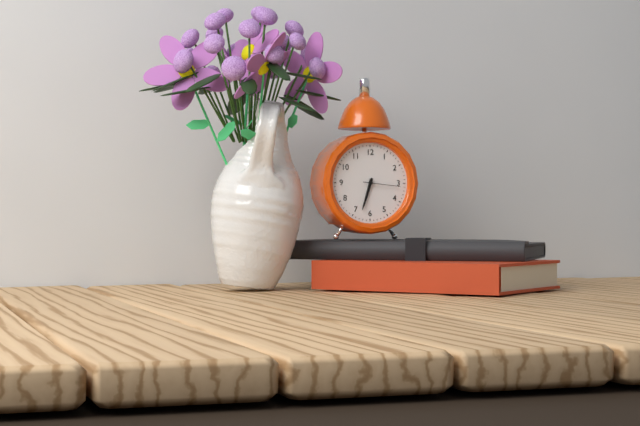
6:33
